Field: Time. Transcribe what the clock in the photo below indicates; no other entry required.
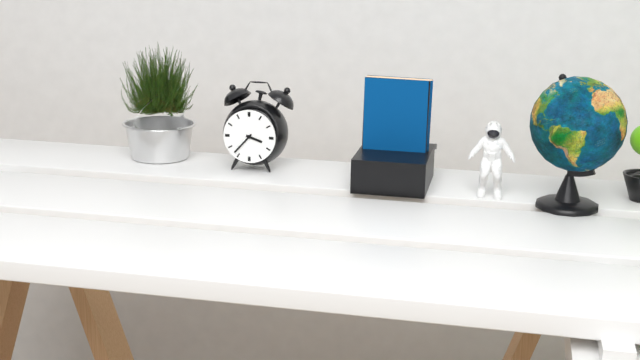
3:37
